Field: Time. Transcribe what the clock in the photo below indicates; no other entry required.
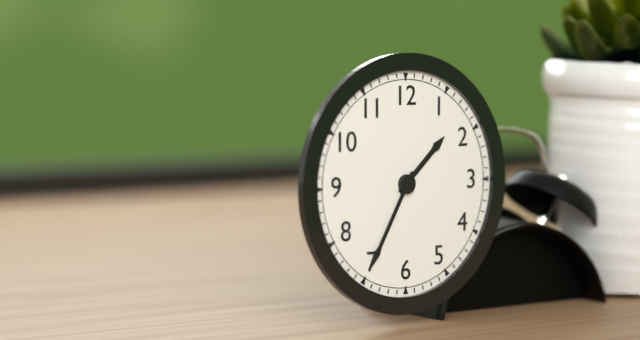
1:35
